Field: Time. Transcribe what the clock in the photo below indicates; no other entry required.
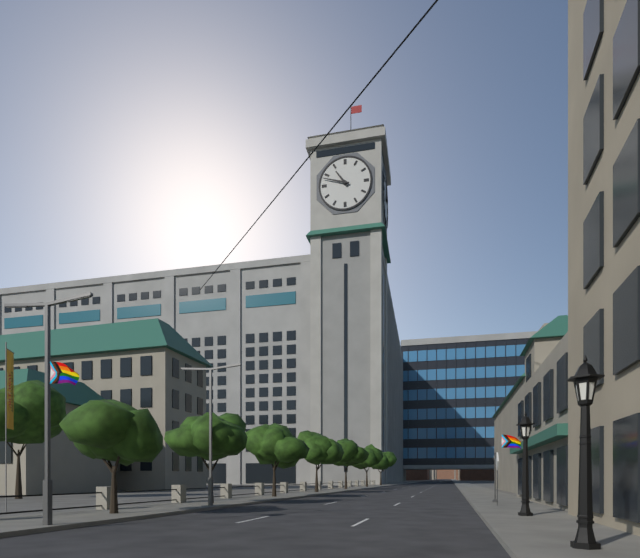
10:48
